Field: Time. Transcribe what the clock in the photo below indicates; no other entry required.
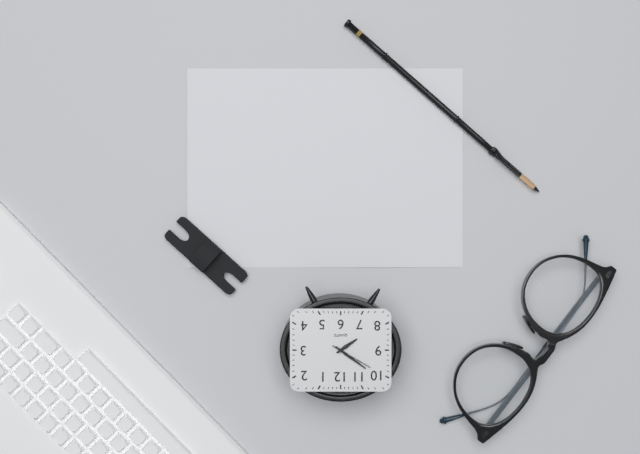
7:51
